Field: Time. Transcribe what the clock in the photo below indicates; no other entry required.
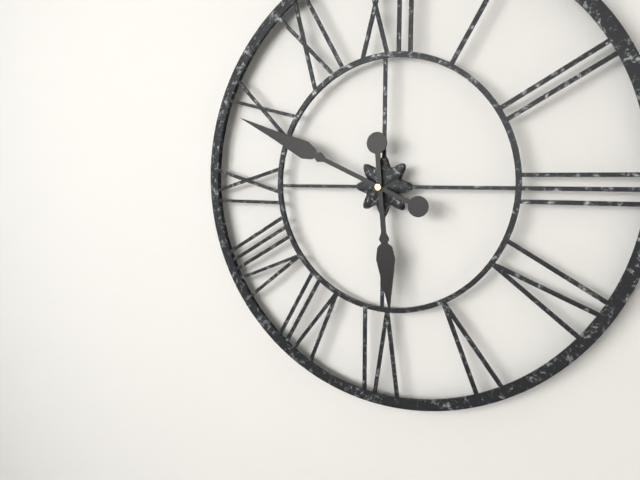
5:49
